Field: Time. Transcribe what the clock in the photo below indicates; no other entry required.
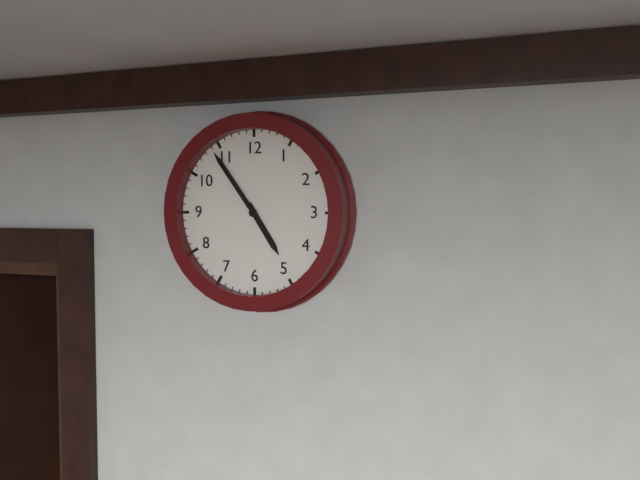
4:54
